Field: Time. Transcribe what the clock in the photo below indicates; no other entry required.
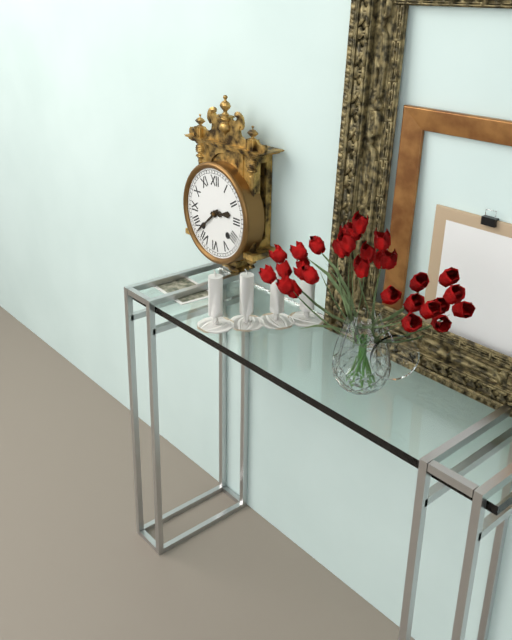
2:38
